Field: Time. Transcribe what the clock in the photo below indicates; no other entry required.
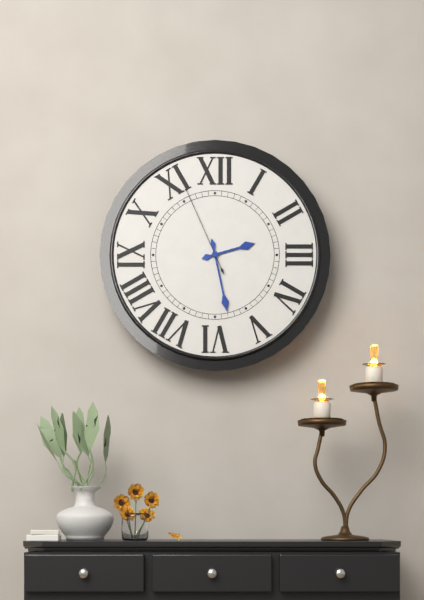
2:28:56
